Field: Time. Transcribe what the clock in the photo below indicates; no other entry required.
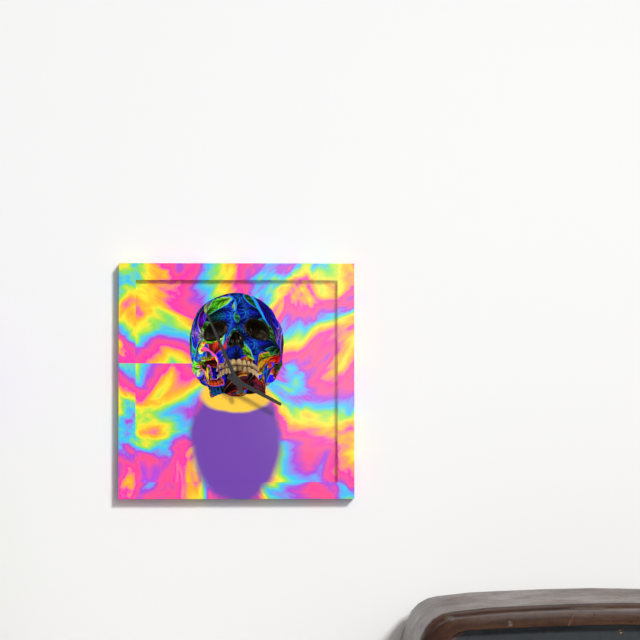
3:56
